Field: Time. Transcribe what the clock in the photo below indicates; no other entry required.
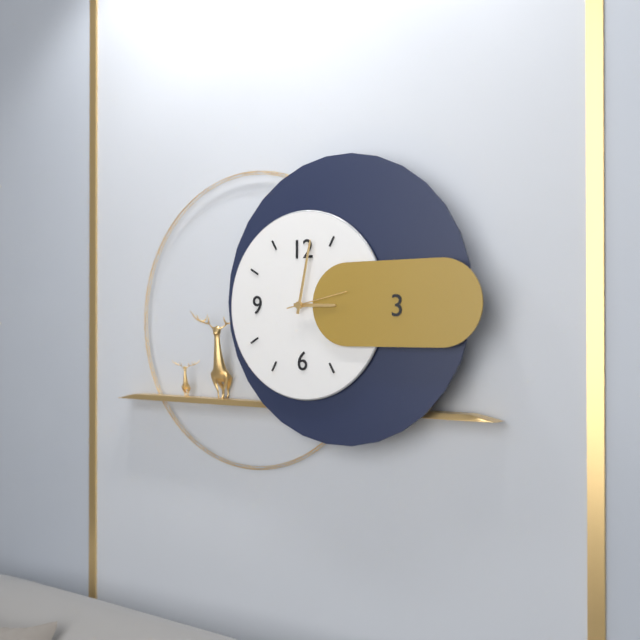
3:02:13
